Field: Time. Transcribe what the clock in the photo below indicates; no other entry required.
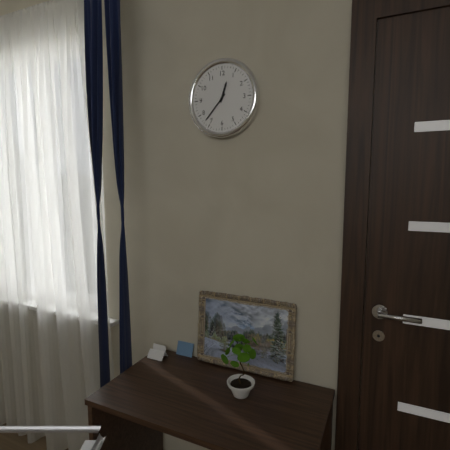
12:37
